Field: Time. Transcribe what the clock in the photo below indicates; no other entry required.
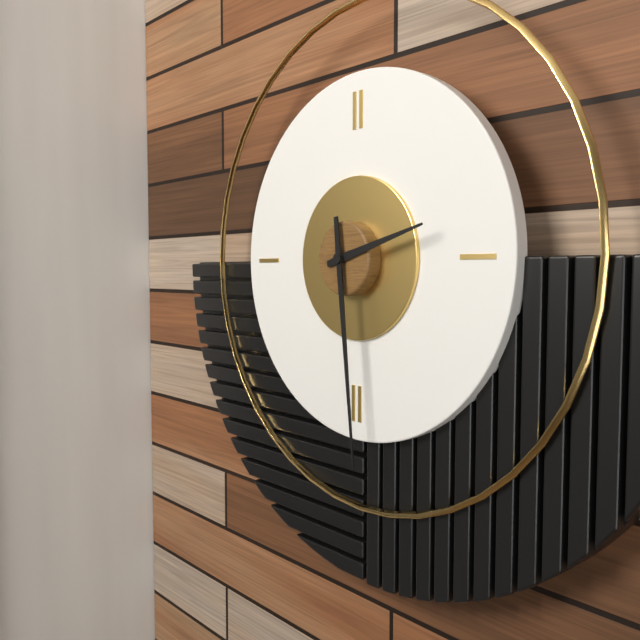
2:29
